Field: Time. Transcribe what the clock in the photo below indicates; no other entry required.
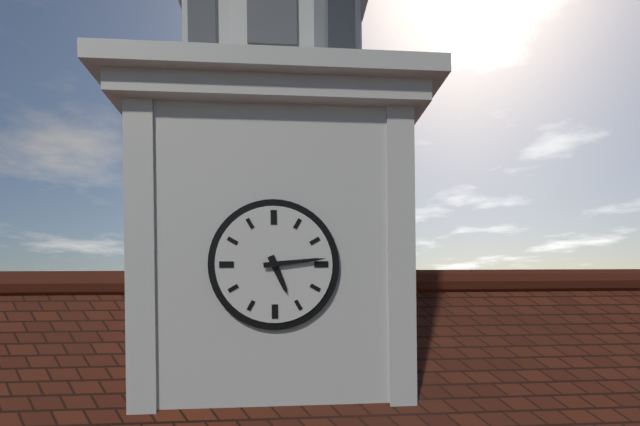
5:14
